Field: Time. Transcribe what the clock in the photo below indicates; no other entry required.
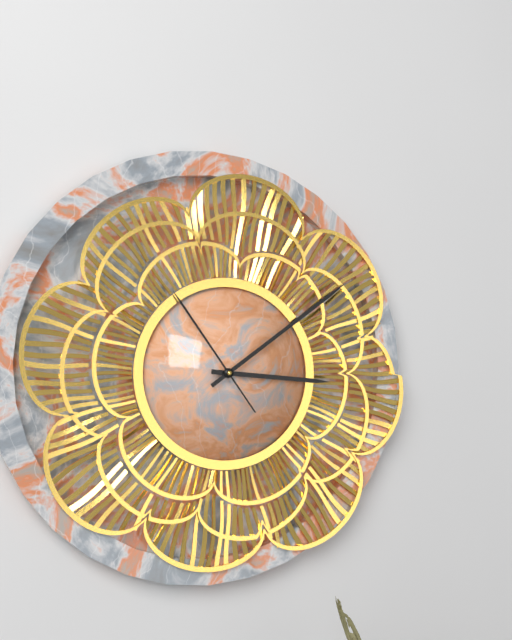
3:09:54
